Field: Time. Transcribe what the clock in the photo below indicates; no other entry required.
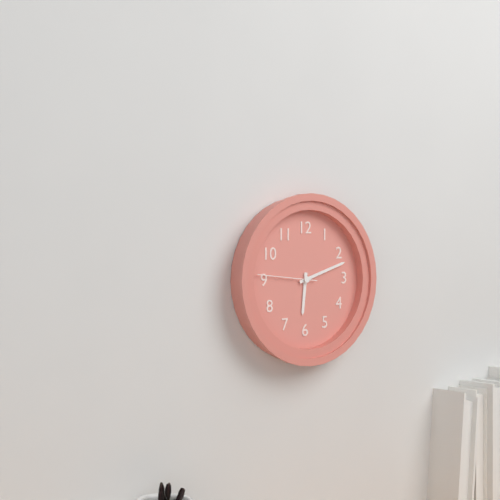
6:12:46
